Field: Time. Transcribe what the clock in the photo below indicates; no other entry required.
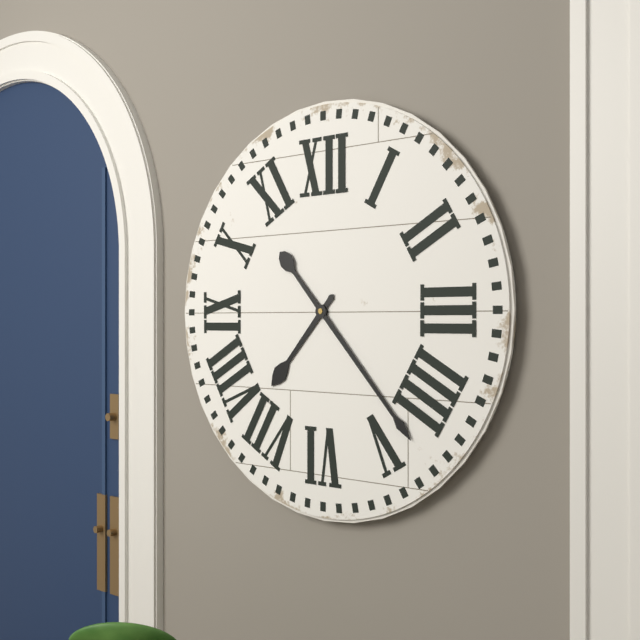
7:23
